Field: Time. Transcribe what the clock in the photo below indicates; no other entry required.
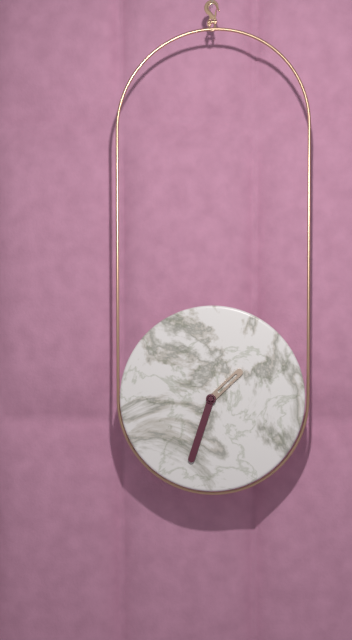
1:33
